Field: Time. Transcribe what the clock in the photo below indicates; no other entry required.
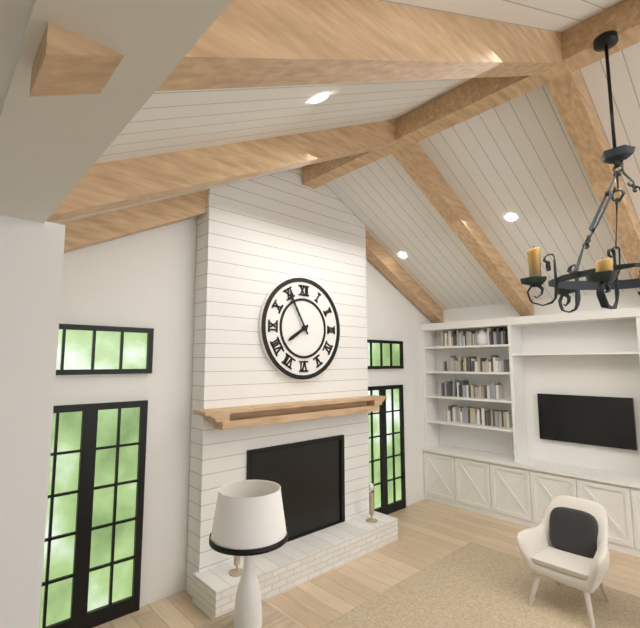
7:55
